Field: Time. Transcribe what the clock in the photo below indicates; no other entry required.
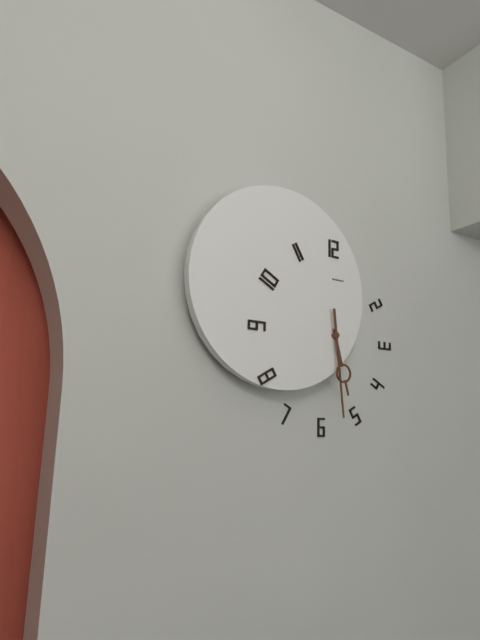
5:29
